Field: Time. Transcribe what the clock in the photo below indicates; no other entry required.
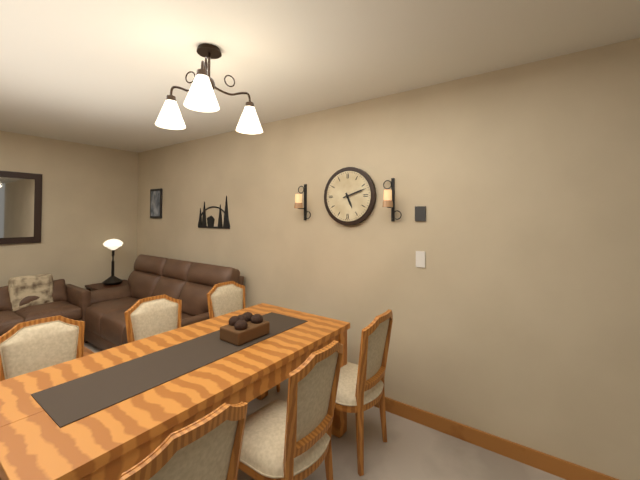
5:12
